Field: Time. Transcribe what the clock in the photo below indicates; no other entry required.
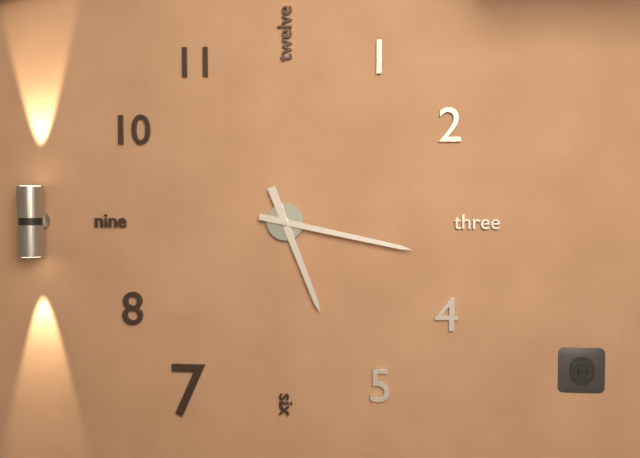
5:17
